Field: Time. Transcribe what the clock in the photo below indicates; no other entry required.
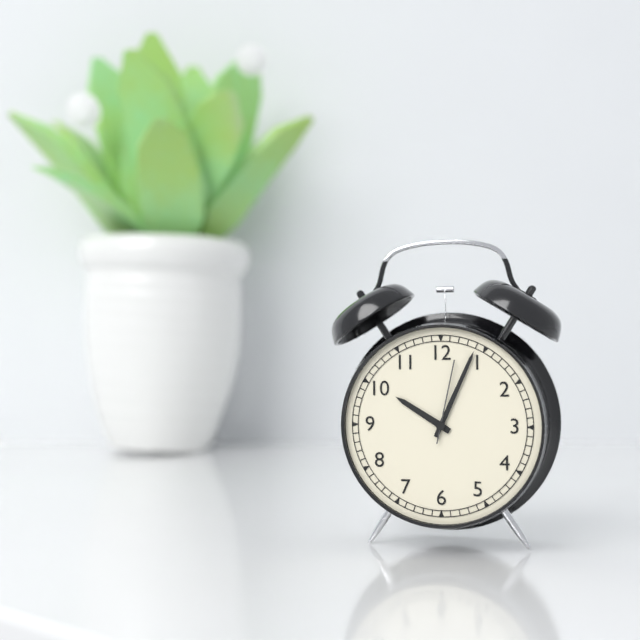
10:04:02
